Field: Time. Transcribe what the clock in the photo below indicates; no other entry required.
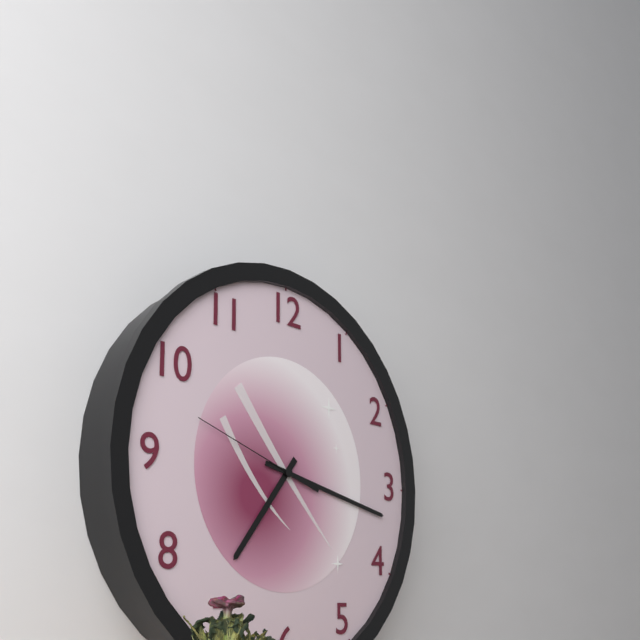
7:17:48
